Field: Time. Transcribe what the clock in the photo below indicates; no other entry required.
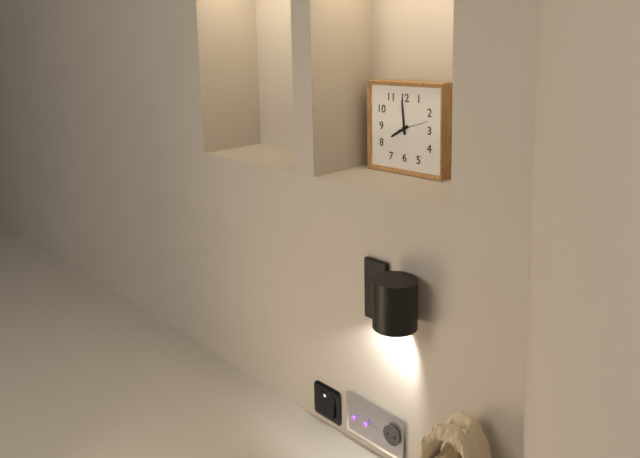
7:59
